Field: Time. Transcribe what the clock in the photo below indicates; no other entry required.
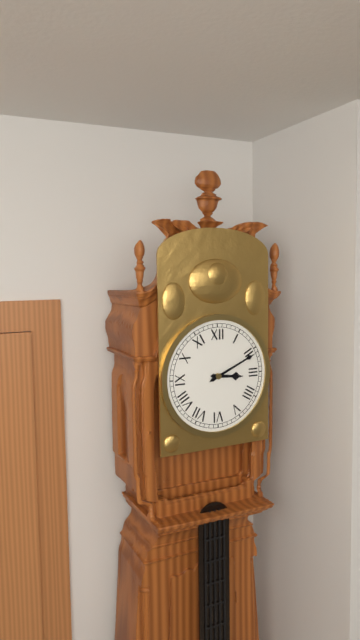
3:11
